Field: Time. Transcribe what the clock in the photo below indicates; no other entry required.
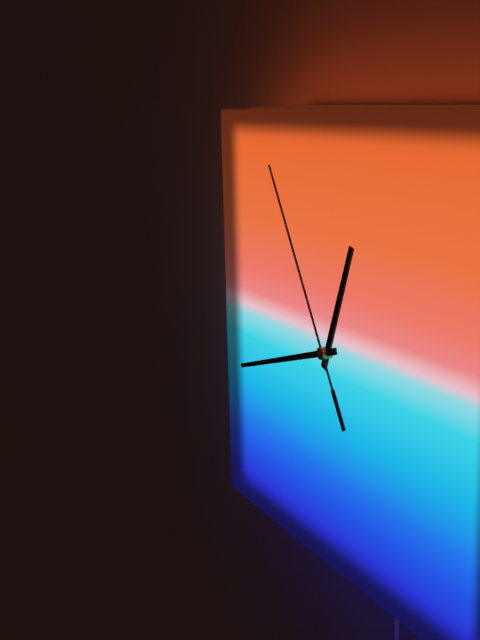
12:42:55
